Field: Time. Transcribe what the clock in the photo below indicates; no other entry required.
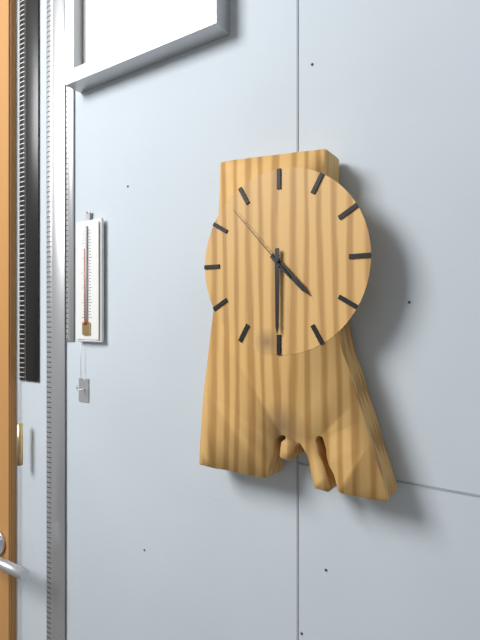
4:30:53
